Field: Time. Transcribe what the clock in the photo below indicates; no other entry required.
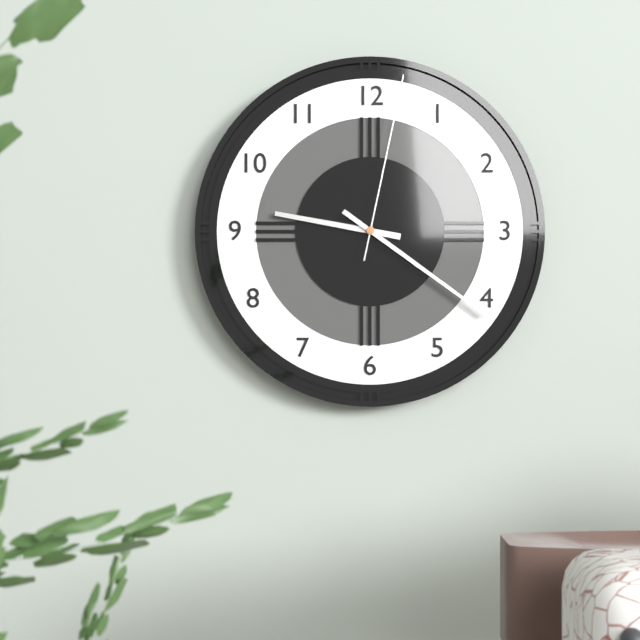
9:21:02
